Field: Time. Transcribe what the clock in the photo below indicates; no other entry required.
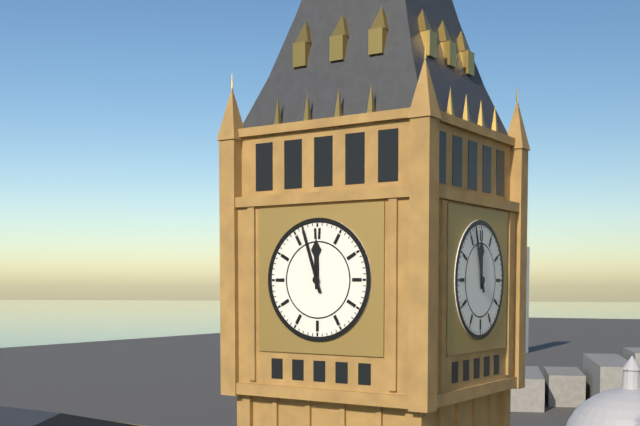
11:57
